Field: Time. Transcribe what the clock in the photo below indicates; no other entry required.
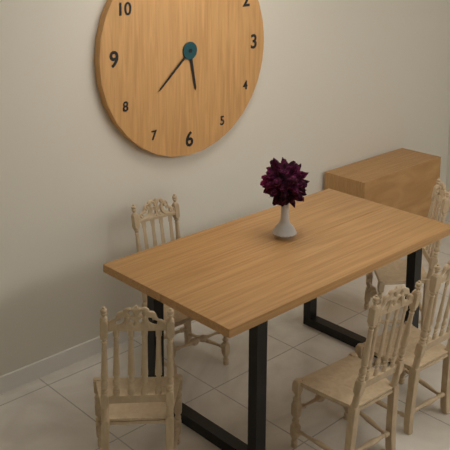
5:38
